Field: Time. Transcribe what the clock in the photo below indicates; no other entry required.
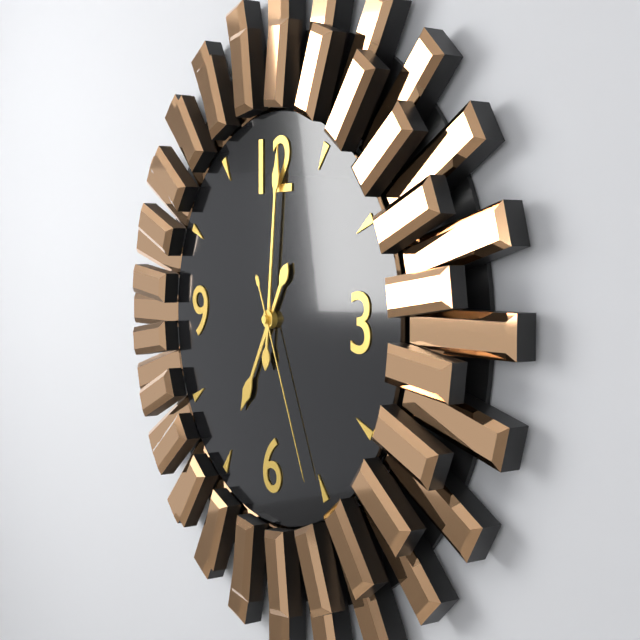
7:01:26
